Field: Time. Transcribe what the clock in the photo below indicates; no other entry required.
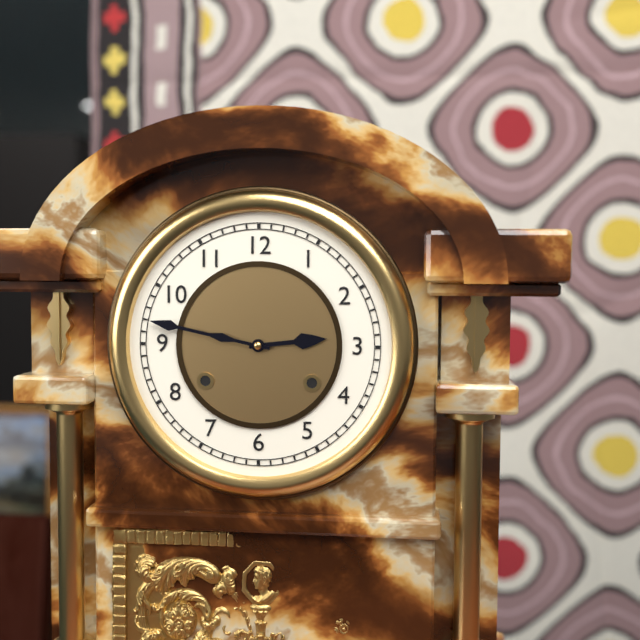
2:47
